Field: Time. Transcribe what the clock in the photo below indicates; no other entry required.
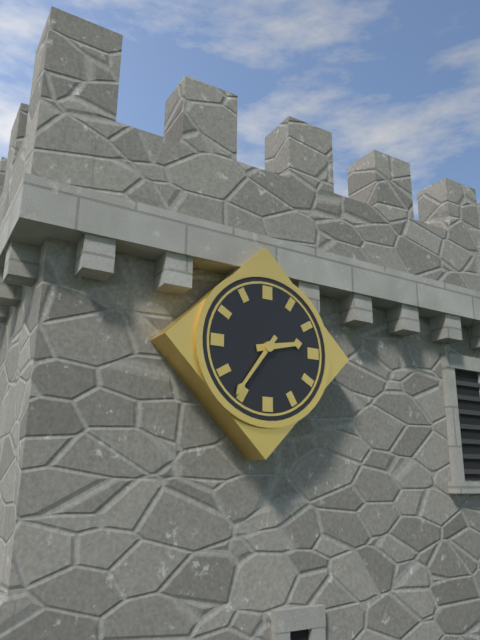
2:36
